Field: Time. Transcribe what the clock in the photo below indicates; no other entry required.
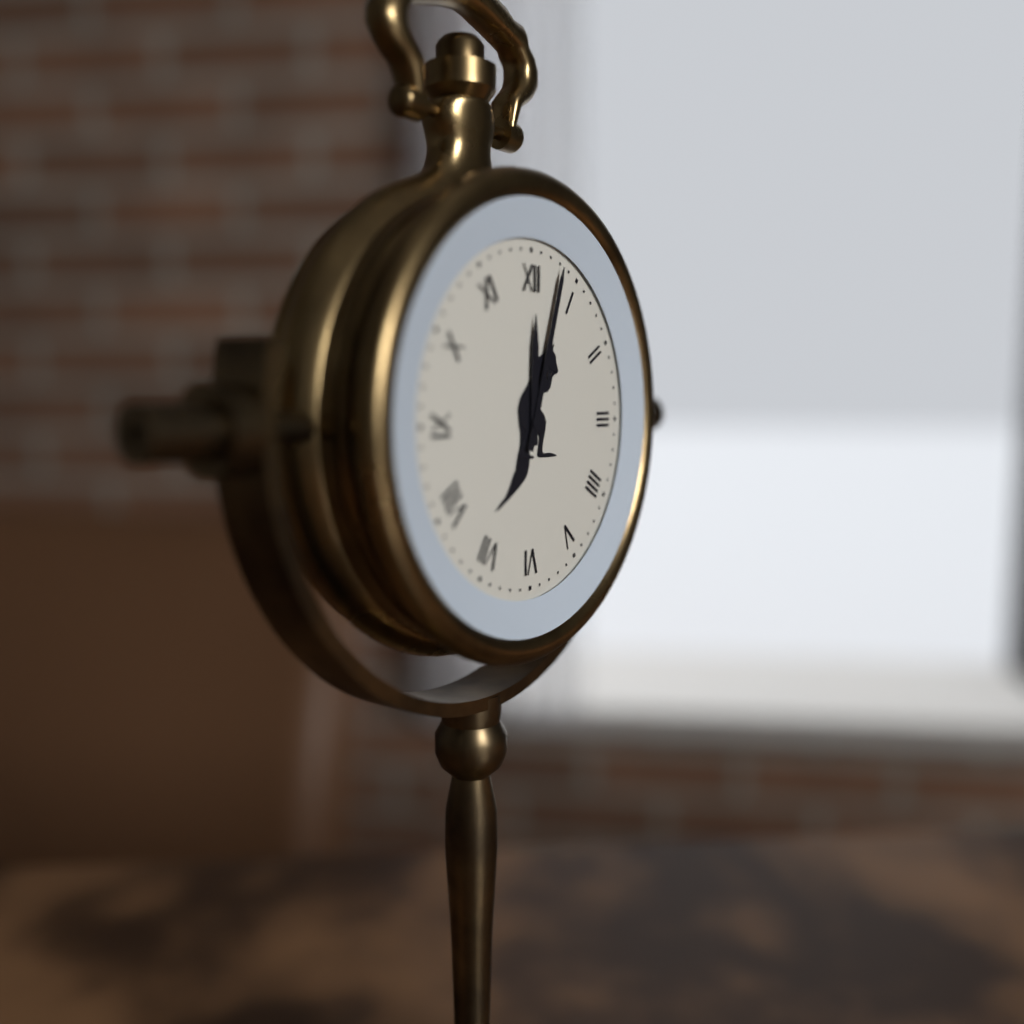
12:03
